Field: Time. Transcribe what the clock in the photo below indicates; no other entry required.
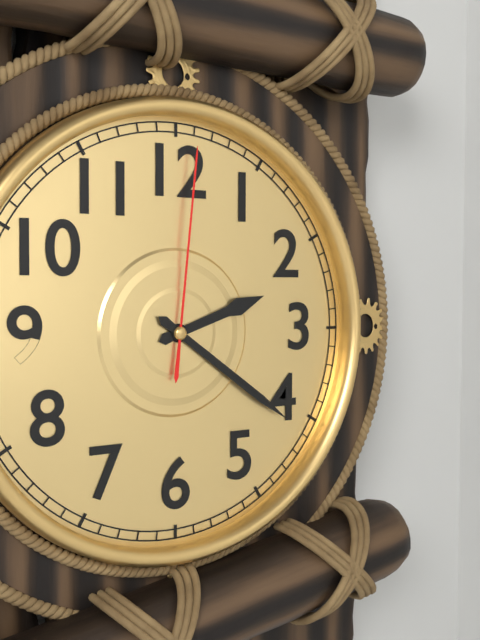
2:21:01
